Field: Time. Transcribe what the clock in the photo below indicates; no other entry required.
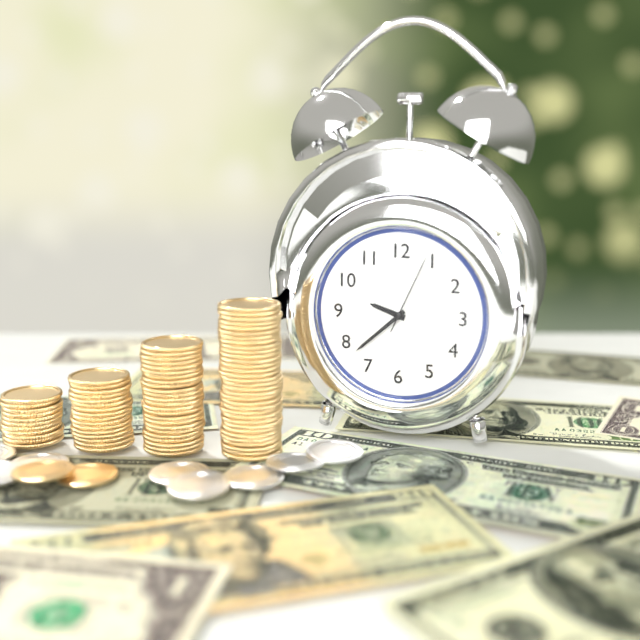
9:38:04
